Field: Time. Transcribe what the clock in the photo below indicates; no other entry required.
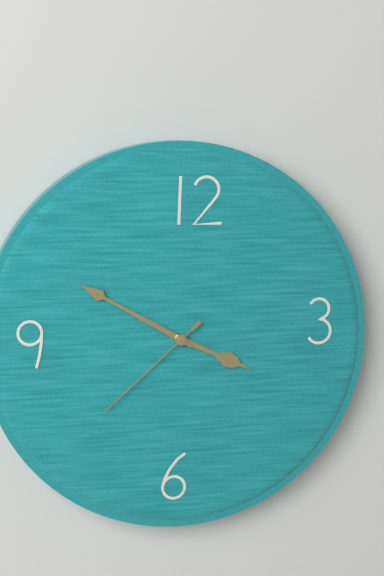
3:50:38
